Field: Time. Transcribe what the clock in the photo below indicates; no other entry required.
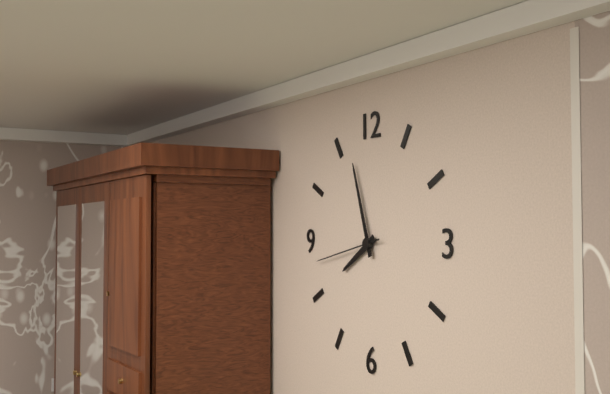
7:57:43
